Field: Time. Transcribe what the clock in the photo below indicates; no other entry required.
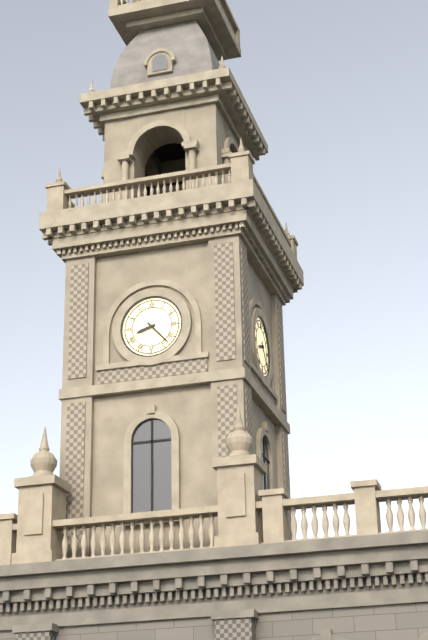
8:23
